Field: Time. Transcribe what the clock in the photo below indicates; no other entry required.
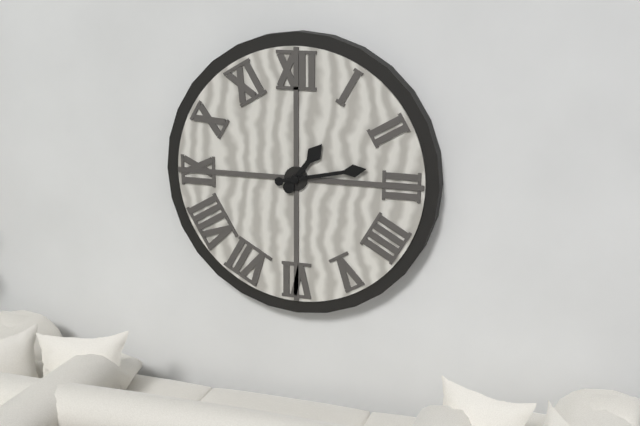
1:13
